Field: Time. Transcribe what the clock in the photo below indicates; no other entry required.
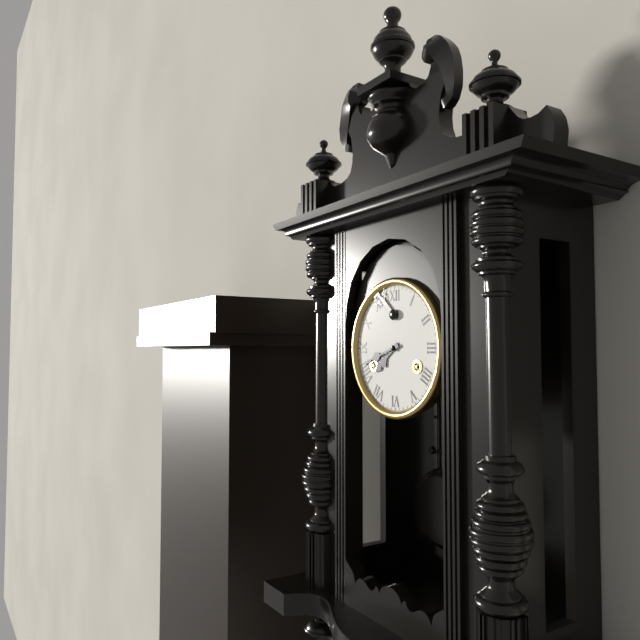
7:42
